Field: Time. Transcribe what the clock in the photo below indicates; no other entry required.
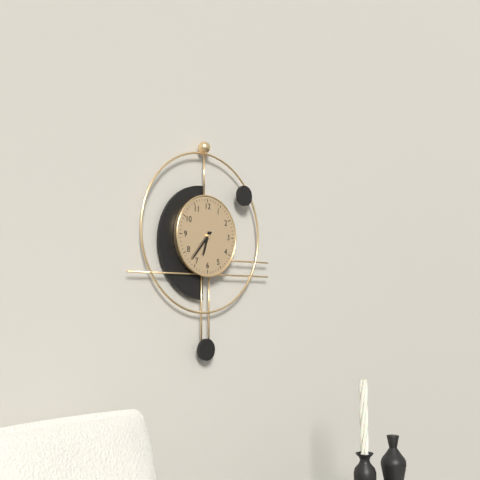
6:37
